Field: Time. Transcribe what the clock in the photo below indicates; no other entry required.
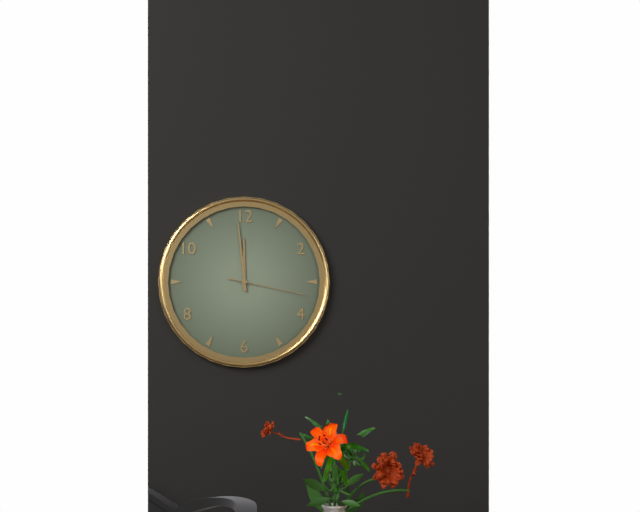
11:59:17
